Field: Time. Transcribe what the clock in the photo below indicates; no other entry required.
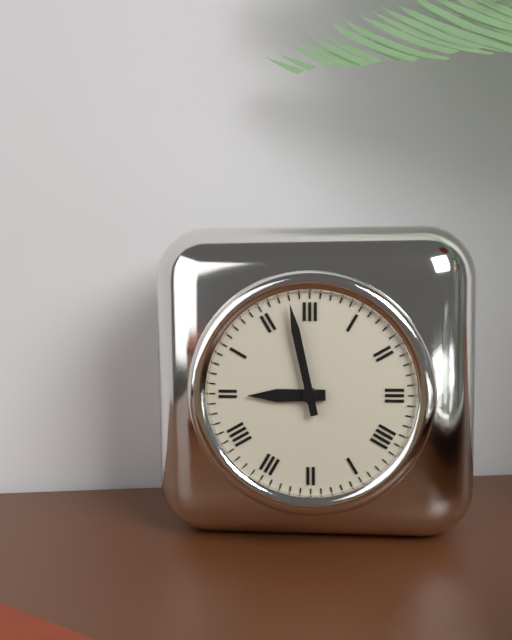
8:58
